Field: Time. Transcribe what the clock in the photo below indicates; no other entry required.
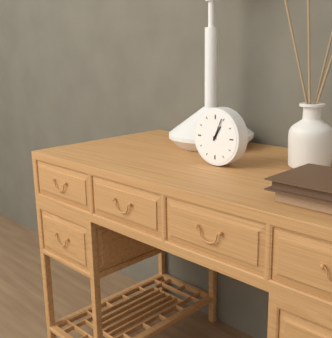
1:04
